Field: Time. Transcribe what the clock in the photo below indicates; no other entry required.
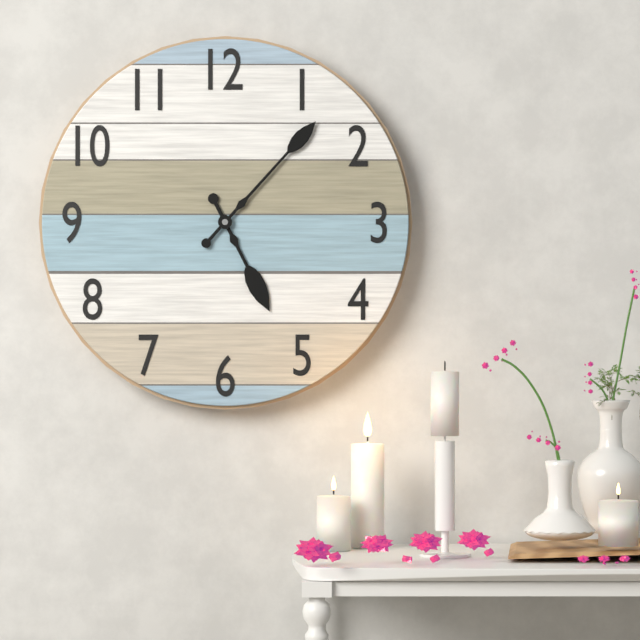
5:07
